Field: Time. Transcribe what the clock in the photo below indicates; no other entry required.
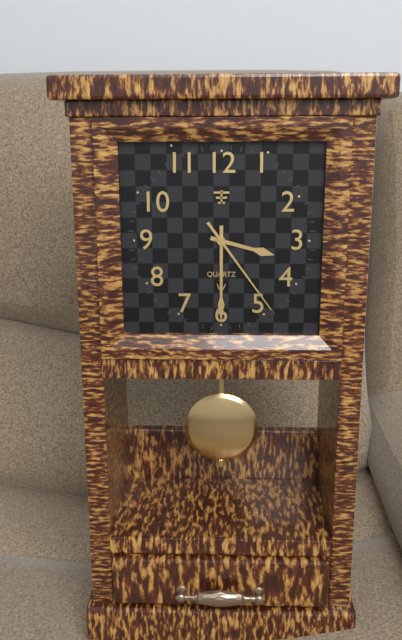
3:30:24
